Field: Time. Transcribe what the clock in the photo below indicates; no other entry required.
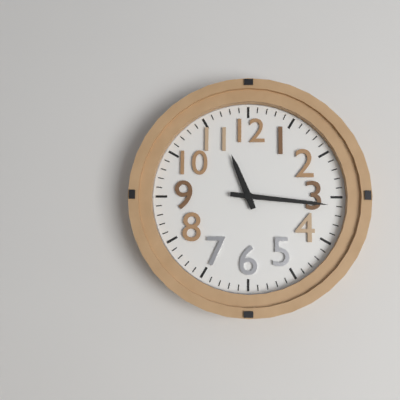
11:16
